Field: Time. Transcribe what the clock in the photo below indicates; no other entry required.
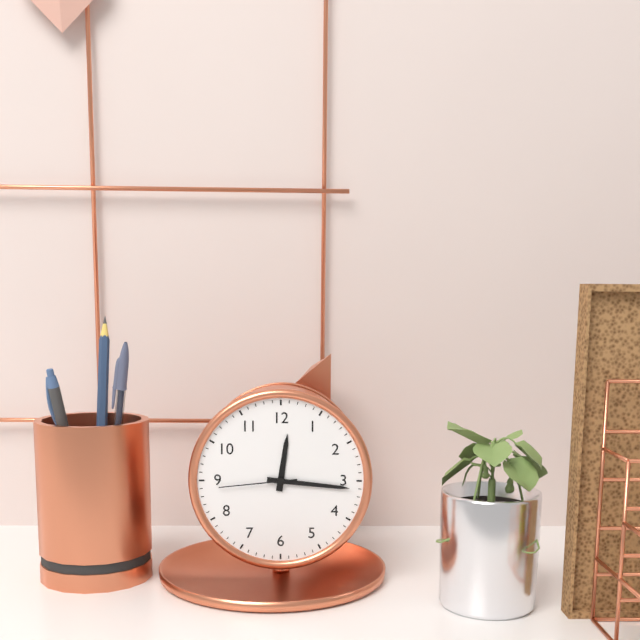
12:16:44
